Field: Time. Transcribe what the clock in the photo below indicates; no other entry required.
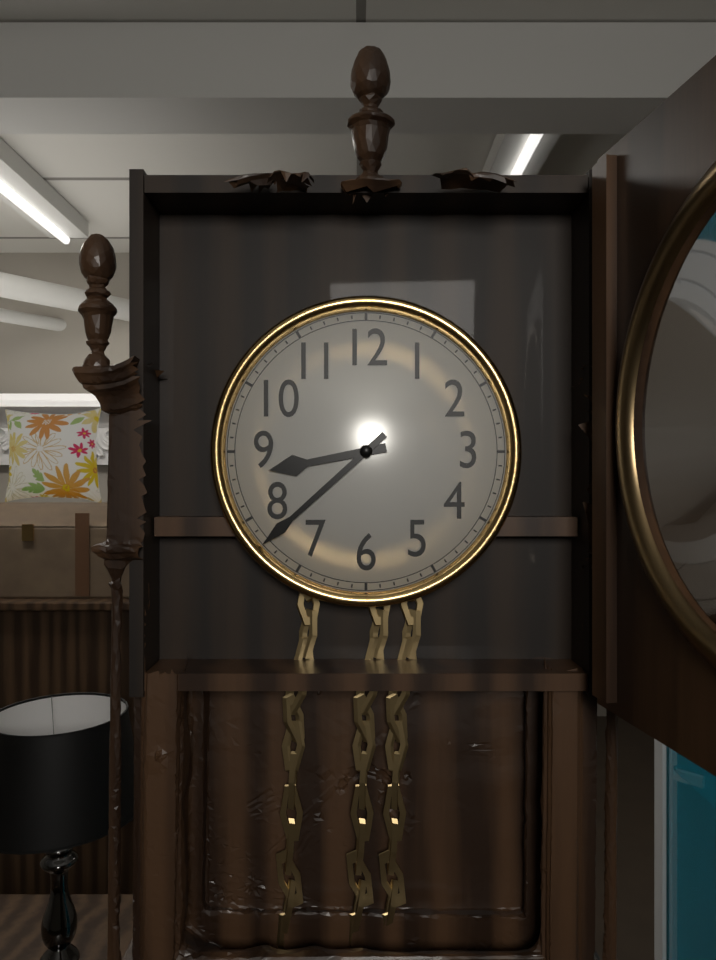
8:38
